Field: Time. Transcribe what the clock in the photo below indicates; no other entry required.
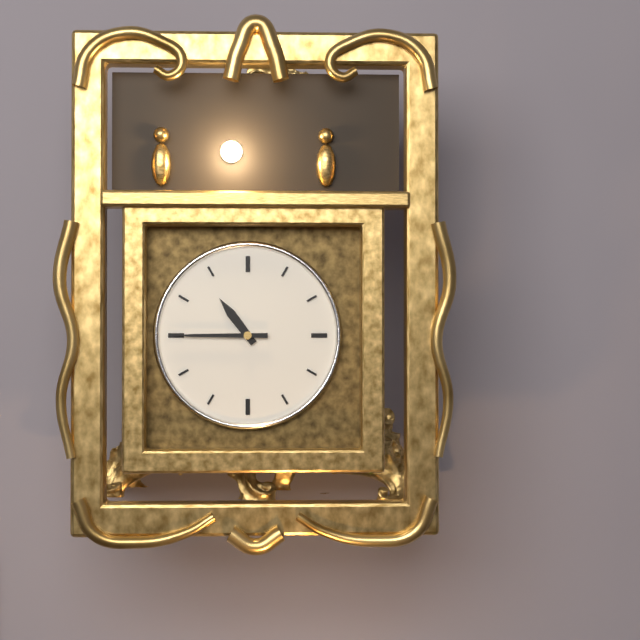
10:45
